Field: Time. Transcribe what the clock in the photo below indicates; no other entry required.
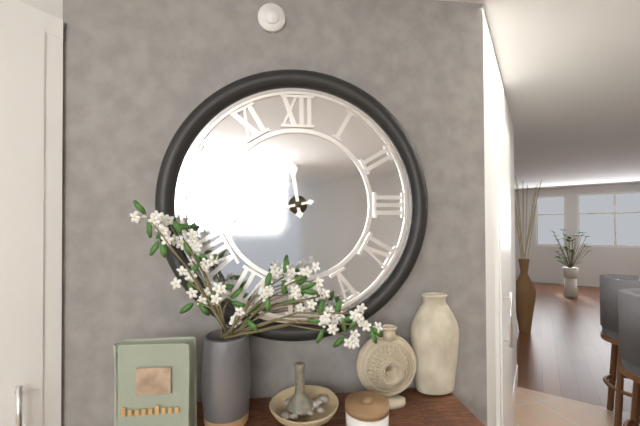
11:43
